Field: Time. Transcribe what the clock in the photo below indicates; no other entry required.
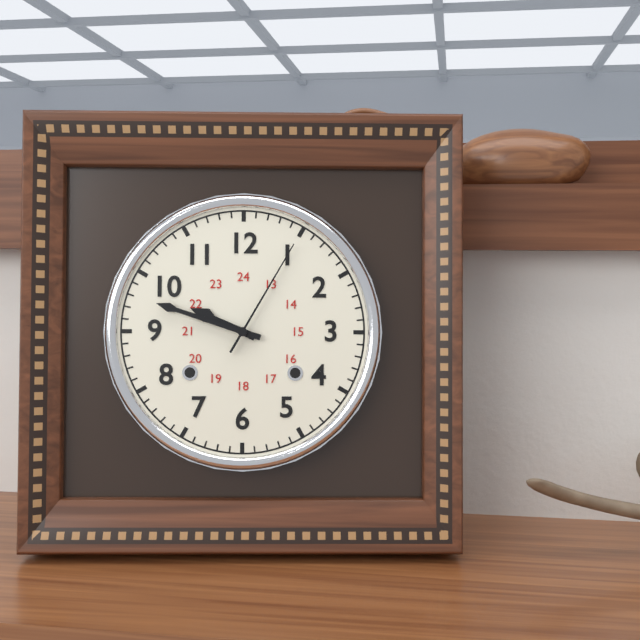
9:48:05
